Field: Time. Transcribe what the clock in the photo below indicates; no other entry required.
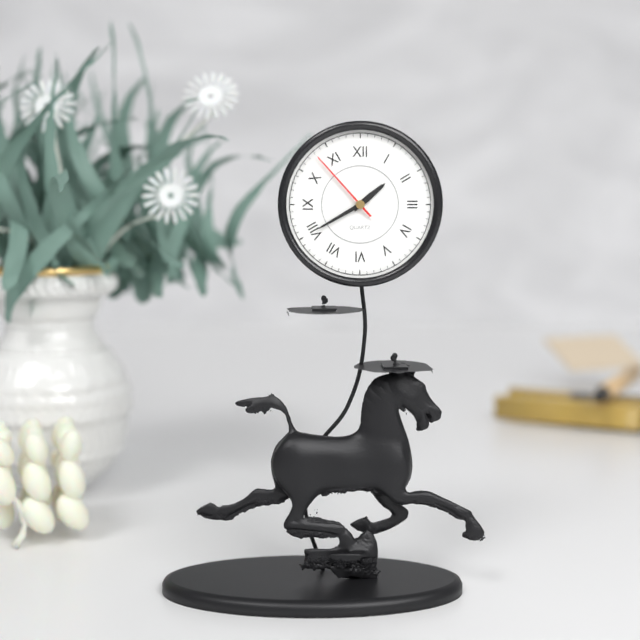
1:40:53
